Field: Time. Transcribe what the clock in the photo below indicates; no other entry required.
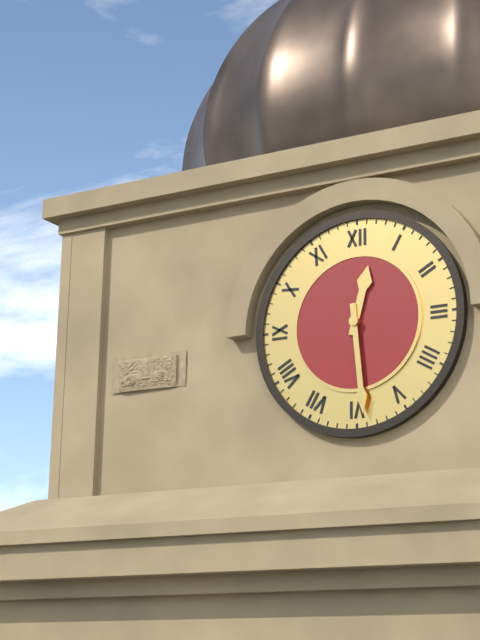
12:29
